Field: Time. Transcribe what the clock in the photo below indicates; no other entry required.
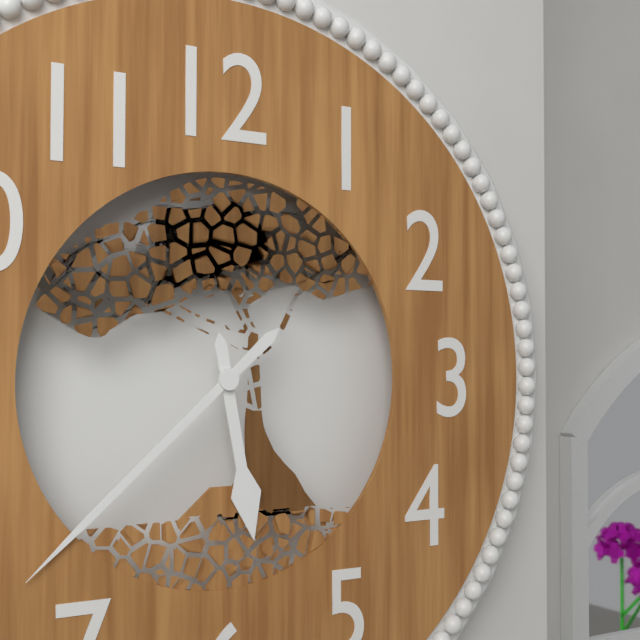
5:38
